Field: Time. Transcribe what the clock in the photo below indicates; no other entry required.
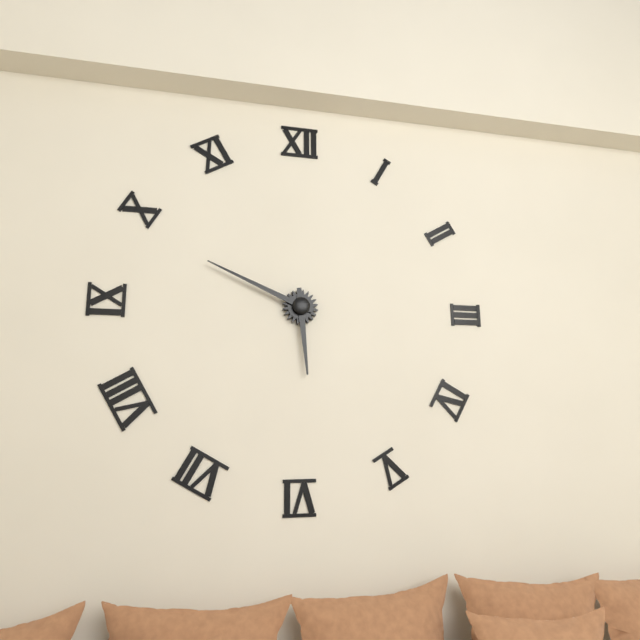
5:49
